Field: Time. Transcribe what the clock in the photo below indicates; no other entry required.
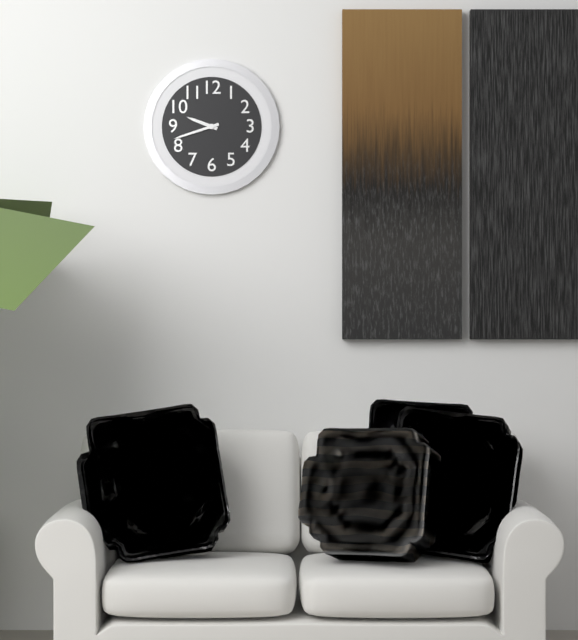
9:42
